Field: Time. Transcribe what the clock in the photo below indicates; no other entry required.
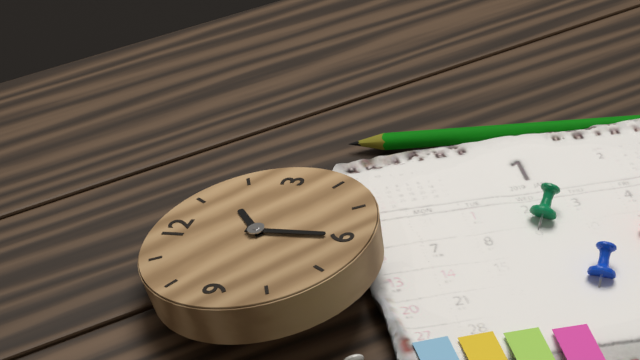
1:30
